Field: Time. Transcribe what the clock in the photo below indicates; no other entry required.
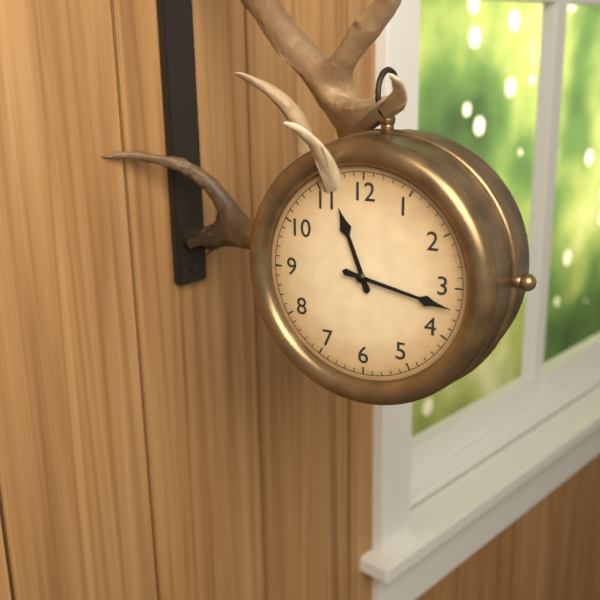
11:17
